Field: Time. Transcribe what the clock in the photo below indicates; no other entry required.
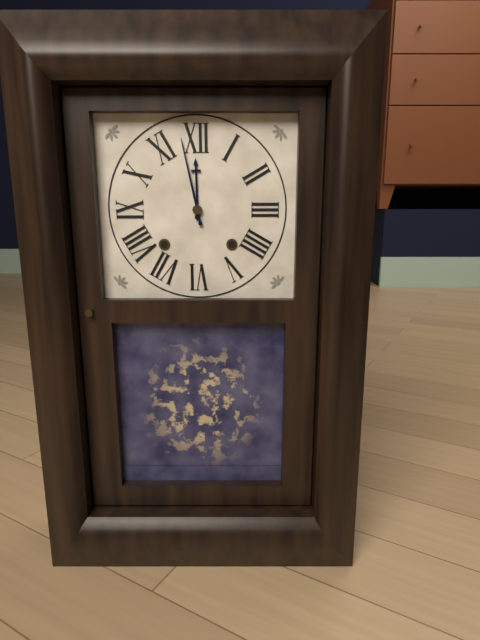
11:58
